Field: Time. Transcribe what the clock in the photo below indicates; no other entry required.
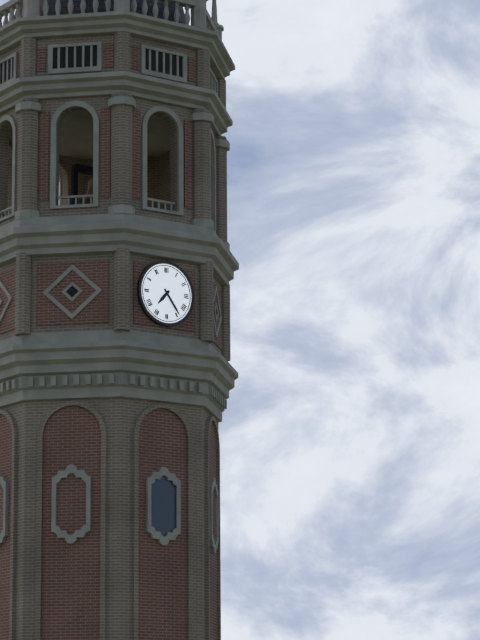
7:24
